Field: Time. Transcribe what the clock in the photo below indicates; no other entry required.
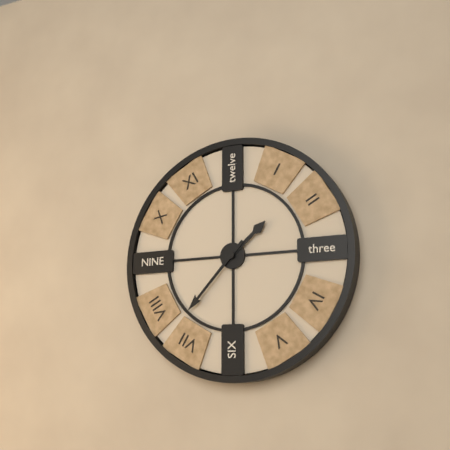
1:37
